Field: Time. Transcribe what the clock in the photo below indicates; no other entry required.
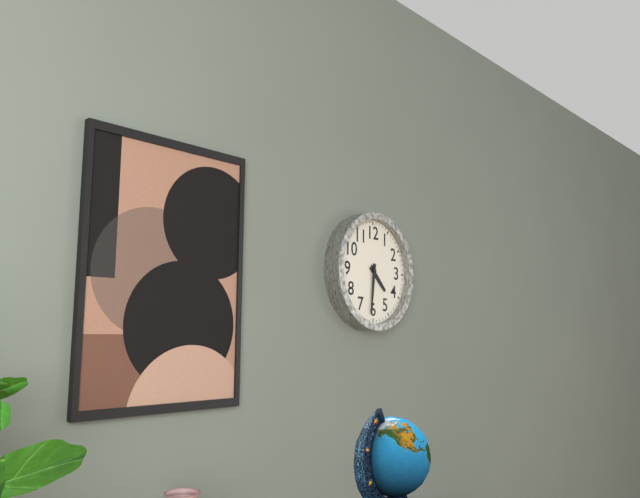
4:31
